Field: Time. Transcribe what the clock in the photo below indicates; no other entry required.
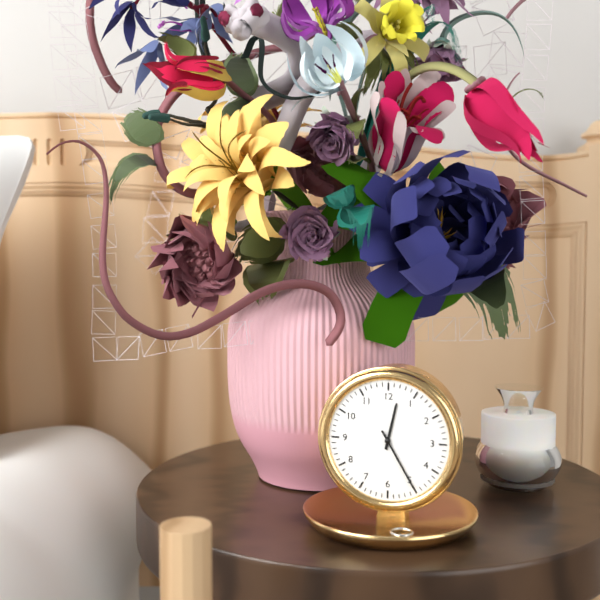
12:25
